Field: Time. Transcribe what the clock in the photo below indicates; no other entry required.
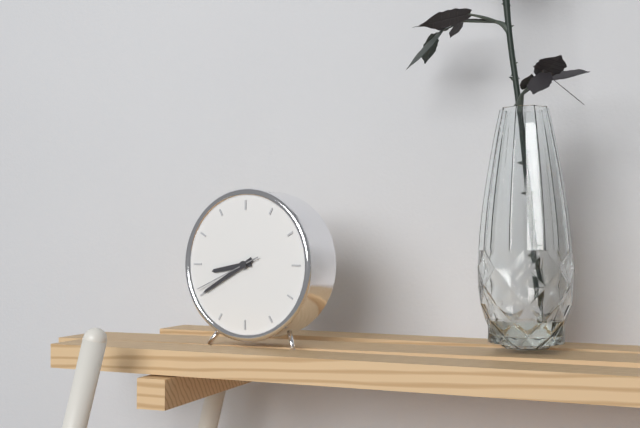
8:40:41
